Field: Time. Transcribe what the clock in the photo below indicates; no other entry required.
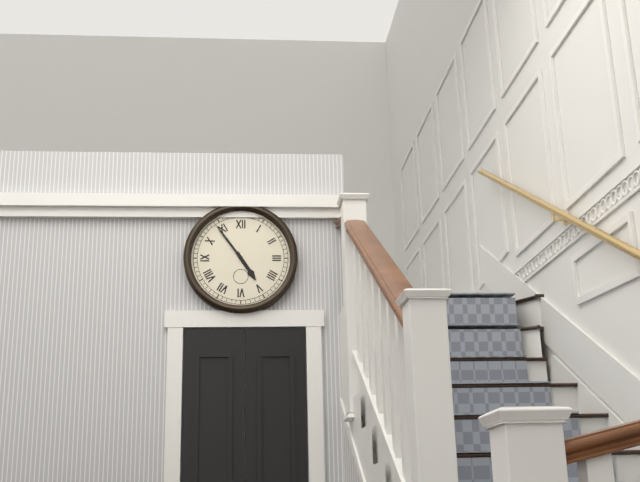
4:54
